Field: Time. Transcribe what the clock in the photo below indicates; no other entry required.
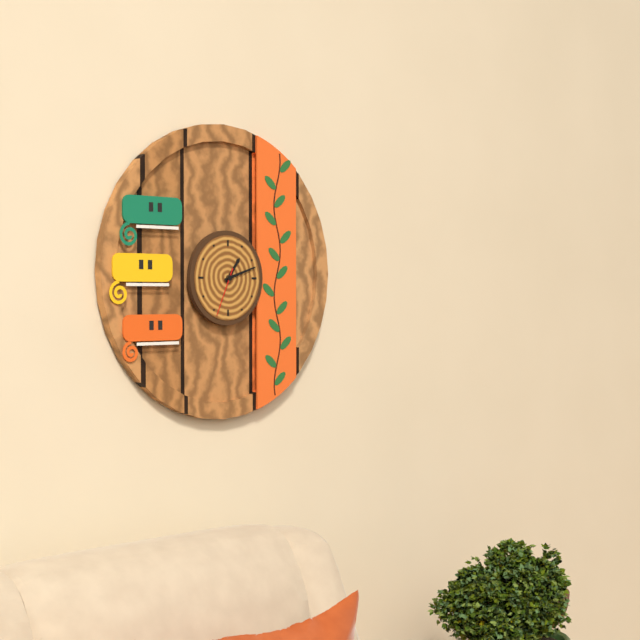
1:12:34
